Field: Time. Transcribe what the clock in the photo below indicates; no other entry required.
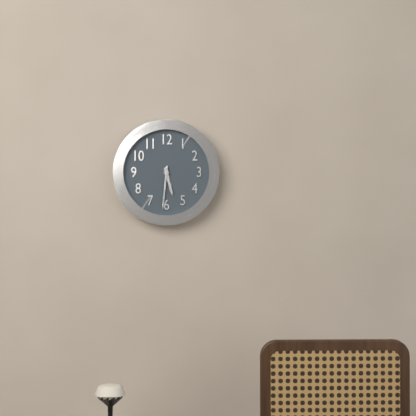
5:31
